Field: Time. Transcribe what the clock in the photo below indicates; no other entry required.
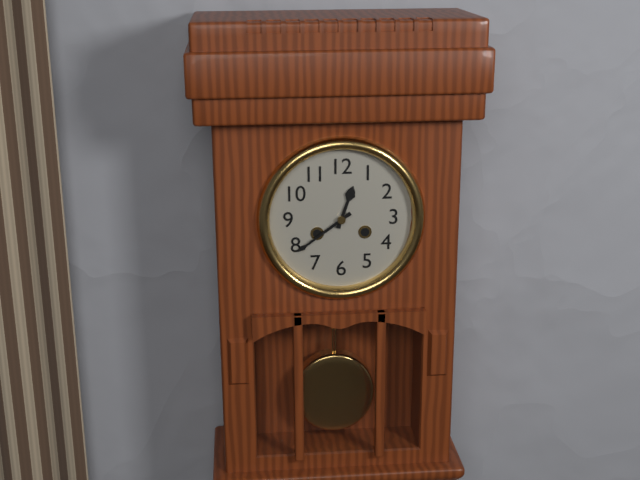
12:39
